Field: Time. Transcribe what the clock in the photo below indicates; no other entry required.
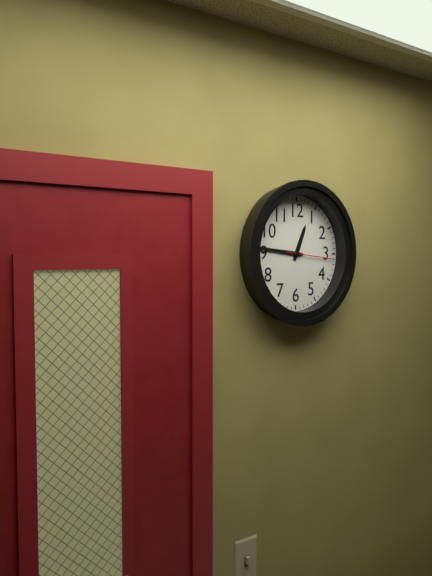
12:46
